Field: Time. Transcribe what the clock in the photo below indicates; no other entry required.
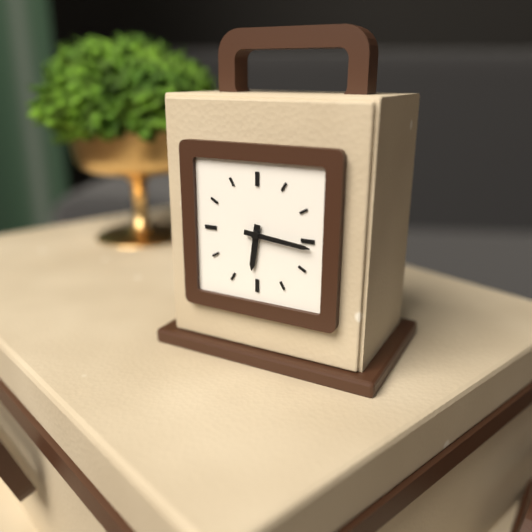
6:16
